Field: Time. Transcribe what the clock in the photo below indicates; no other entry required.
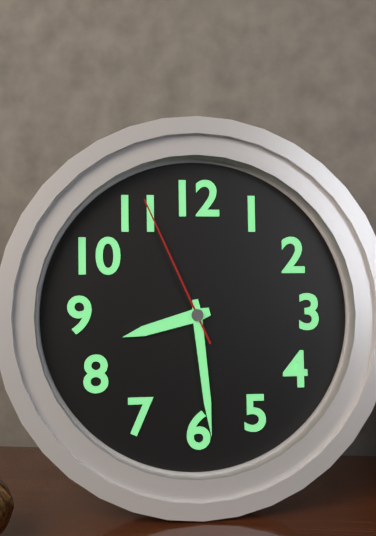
8:29:56
